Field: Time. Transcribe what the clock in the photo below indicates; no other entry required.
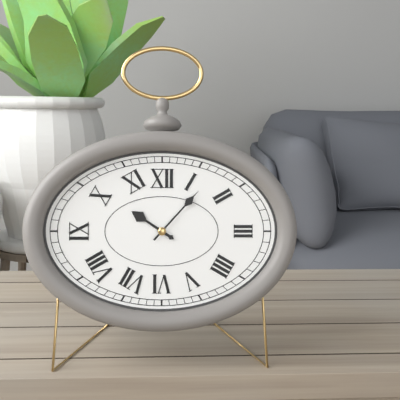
10:07
